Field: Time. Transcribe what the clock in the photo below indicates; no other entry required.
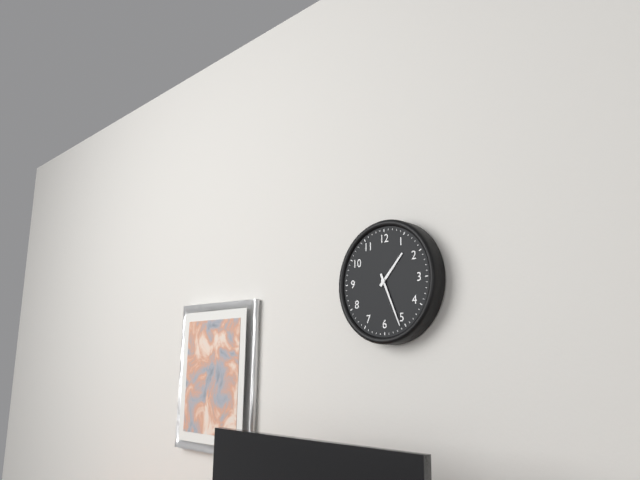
1:26
